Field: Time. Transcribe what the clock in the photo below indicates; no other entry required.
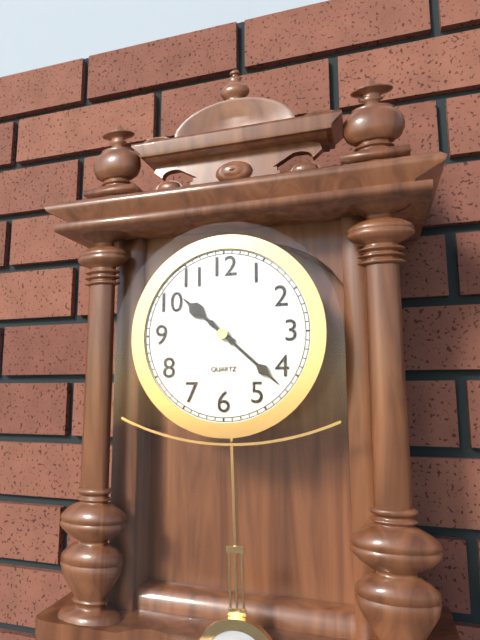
10:22
